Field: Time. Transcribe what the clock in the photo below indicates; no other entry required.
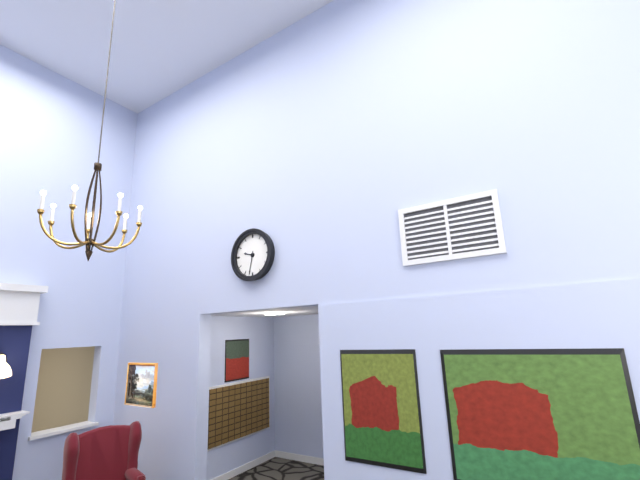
9:32
